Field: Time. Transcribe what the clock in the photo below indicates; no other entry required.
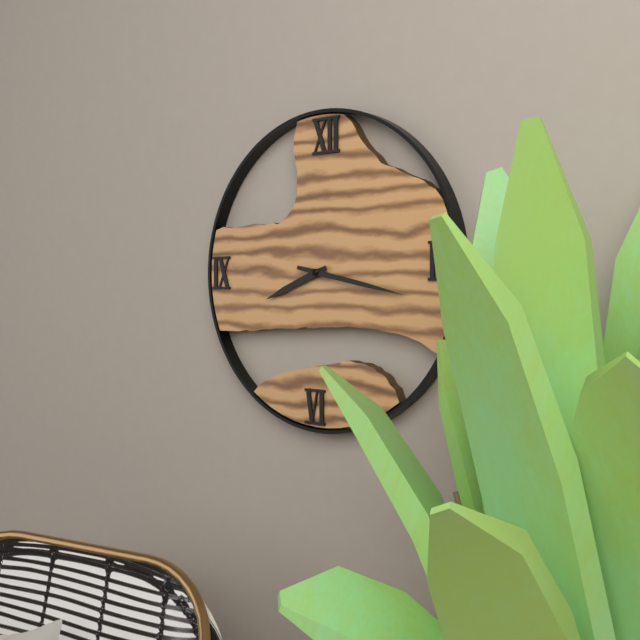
8:17
